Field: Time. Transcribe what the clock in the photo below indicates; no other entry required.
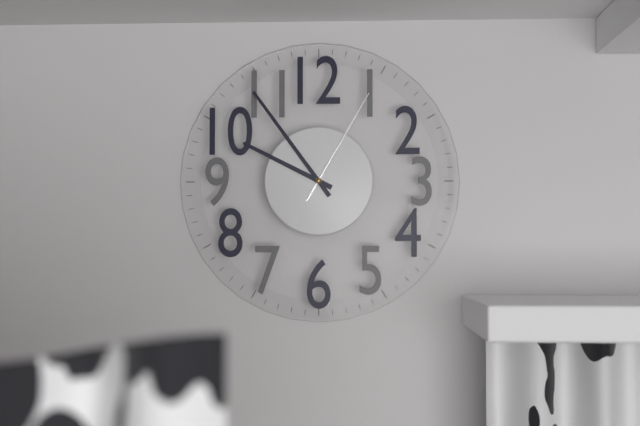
9:54:05
